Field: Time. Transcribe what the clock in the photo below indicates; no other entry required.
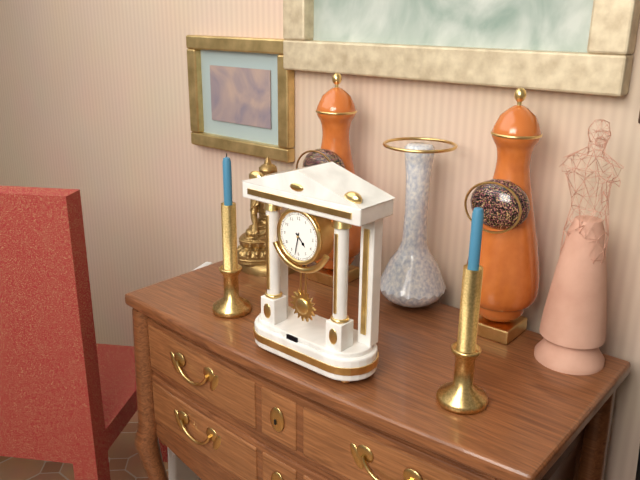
4:32
